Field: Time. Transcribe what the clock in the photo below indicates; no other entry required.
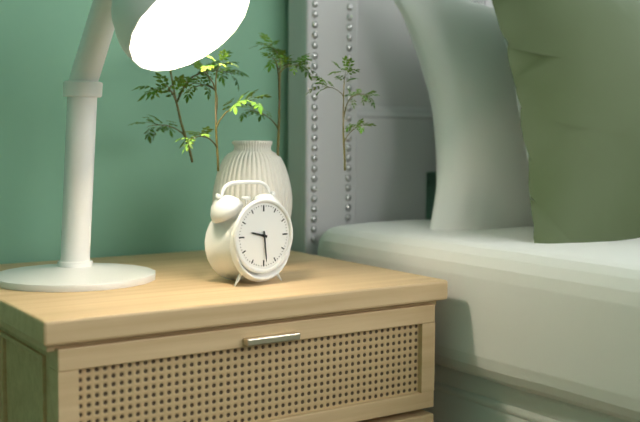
9:29
